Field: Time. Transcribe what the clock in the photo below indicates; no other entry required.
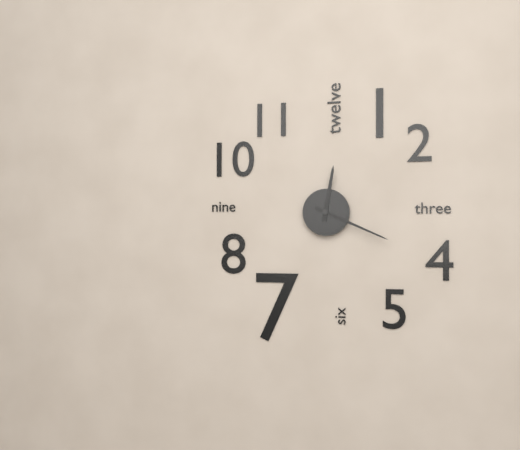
12:19
